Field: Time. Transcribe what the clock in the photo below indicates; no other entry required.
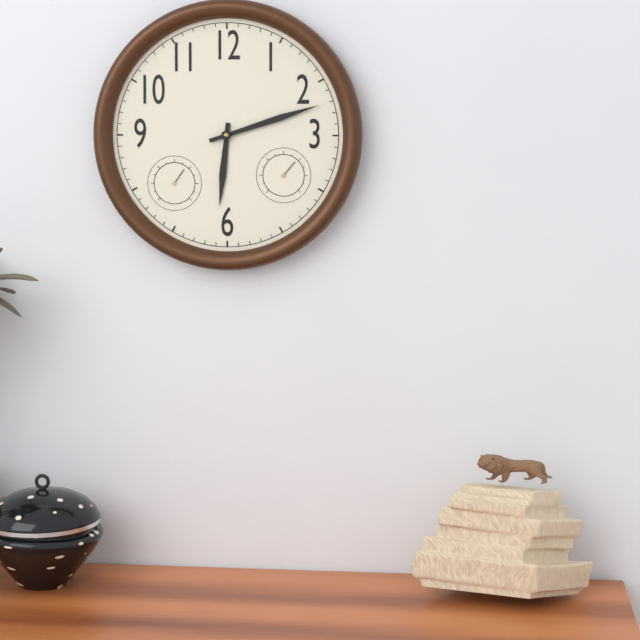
6:12
